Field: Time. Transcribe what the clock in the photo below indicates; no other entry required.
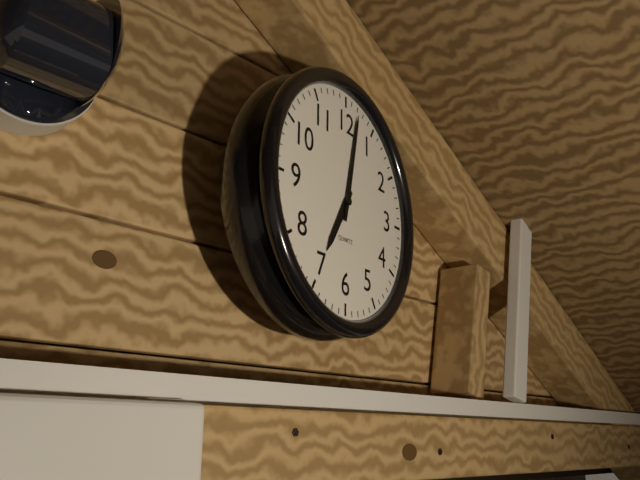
7:02
